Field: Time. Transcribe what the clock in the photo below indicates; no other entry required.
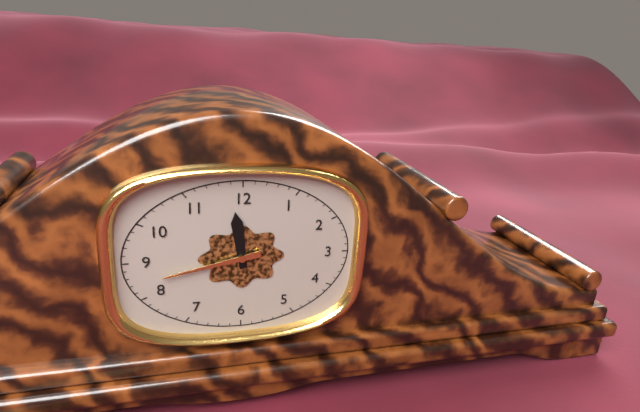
11:43
